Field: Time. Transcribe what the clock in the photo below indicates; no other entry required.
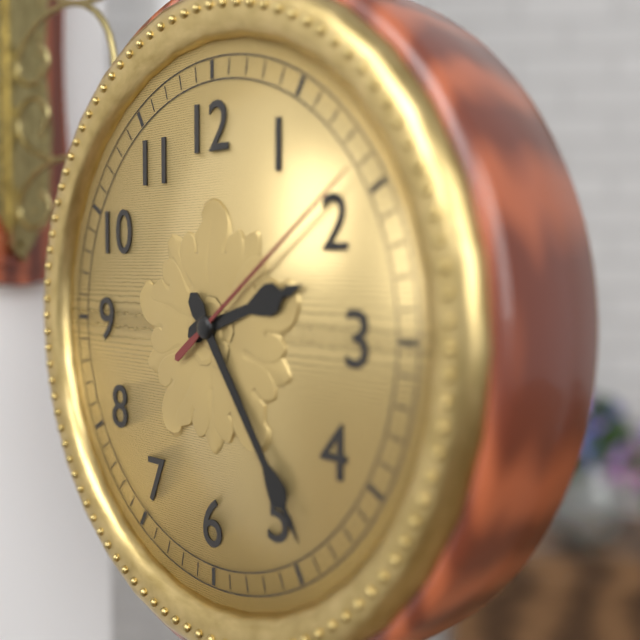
2:24:09
